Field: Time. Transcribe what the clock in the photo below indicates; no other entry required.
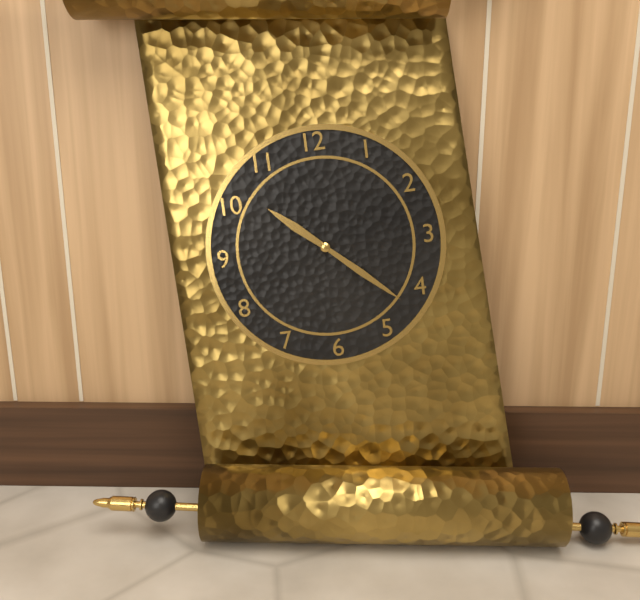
10:22
